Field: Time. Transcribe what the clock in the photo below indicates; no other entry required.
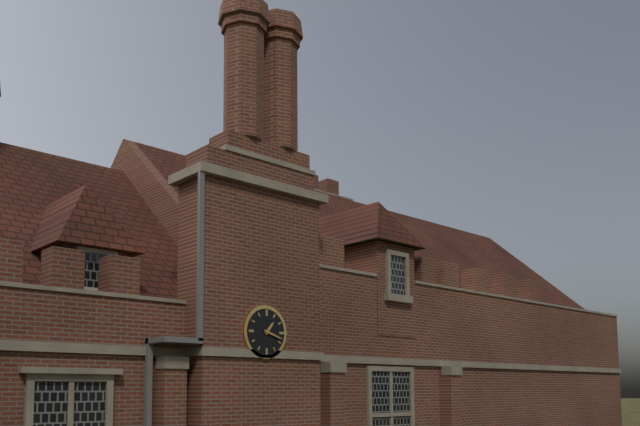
1:18
